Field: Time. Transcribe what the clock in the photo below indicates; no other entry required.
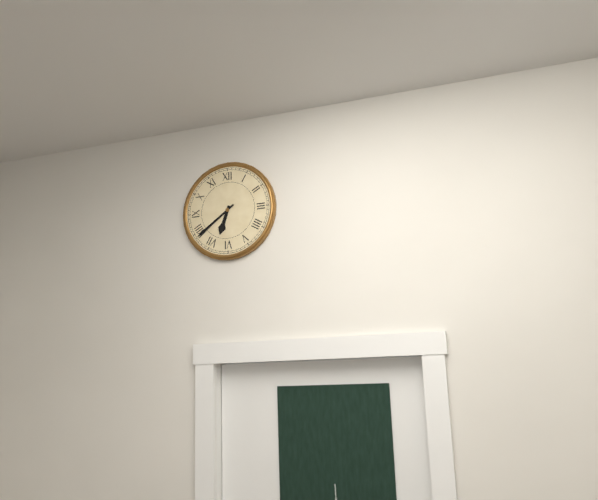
6:39
